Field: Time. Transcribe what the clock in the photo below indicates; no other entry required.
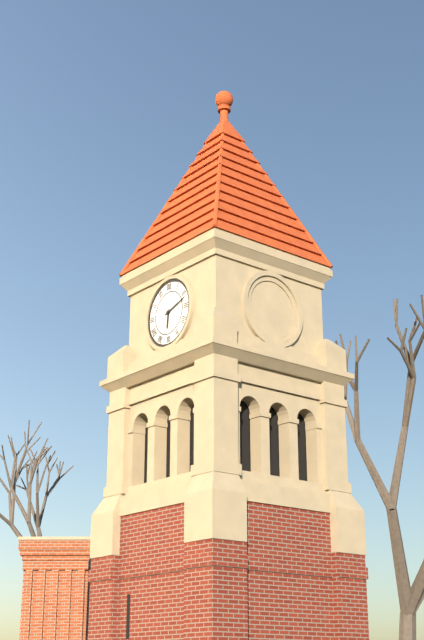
6:12
